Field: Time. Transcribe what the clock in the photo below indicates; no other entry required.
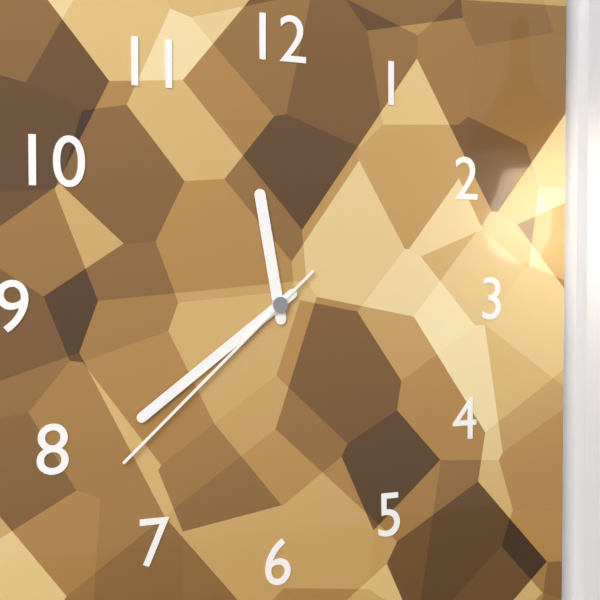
11:39:38
